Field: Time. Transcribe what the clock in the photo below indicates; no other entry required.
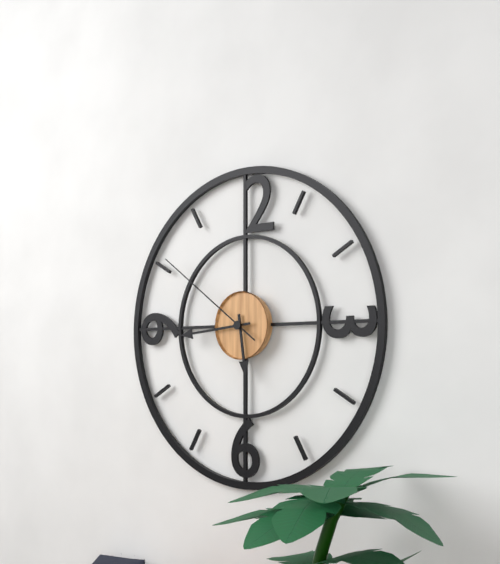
5:44:51
